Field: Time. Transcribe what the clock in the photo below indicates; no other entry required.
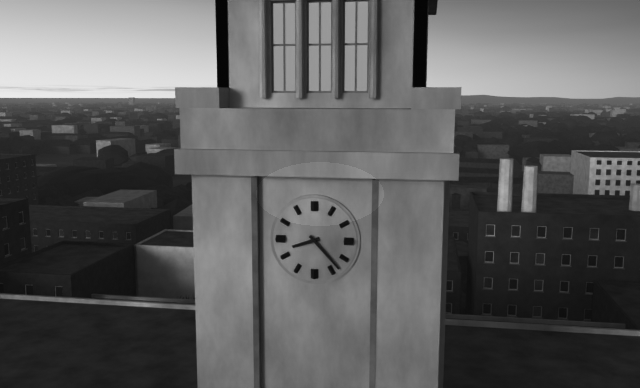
8:23
